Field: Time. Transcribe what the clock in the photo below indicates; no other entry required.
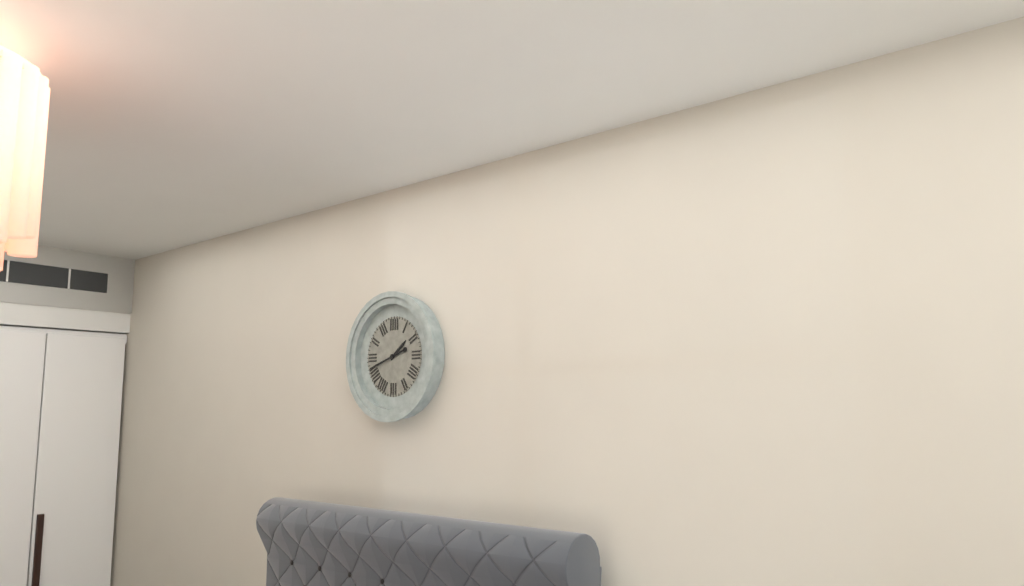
1:42
